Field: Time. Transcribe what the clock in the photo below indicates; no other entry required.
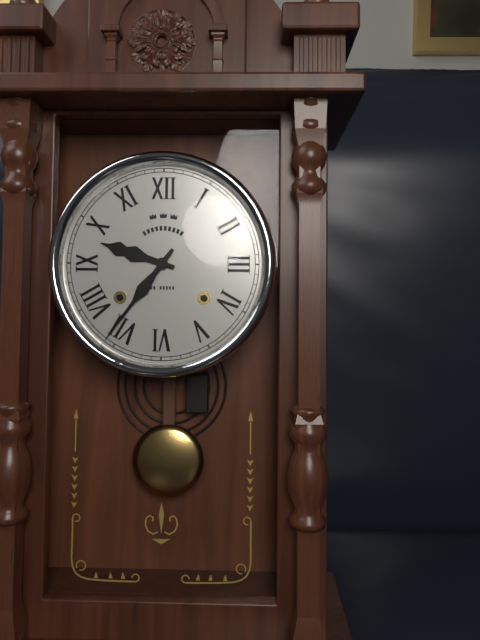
9:36
